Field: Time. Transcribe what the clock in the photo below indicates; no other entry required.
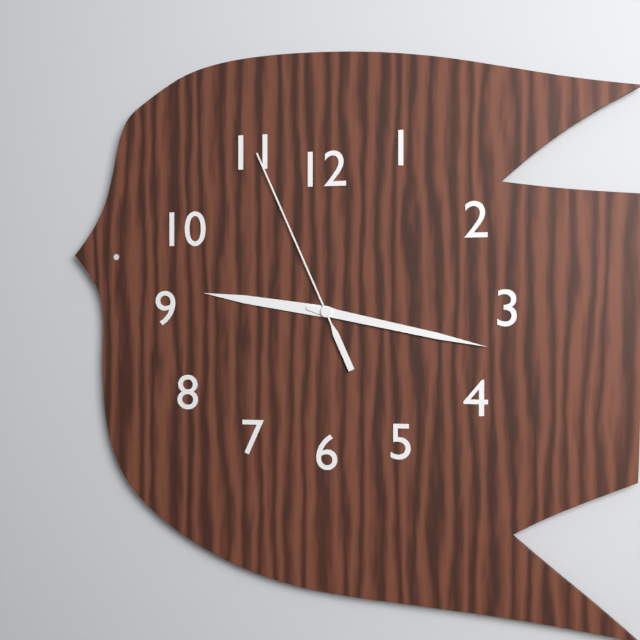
9:17:56
